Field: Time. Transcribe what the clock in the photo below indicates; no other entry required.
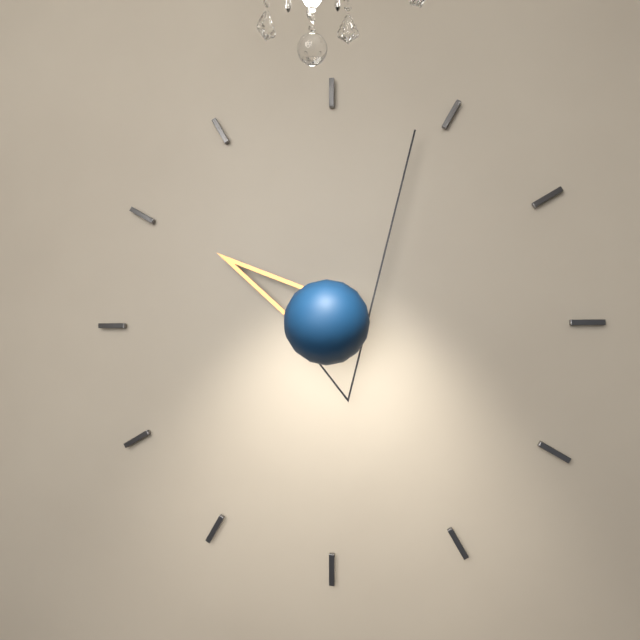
10:04
